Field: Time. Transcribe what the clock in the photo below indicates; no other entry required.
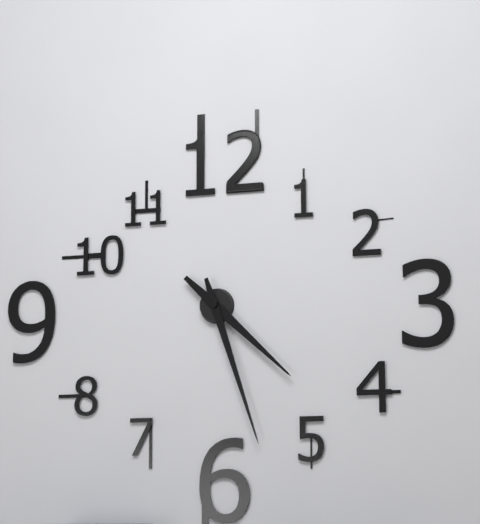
4:27
